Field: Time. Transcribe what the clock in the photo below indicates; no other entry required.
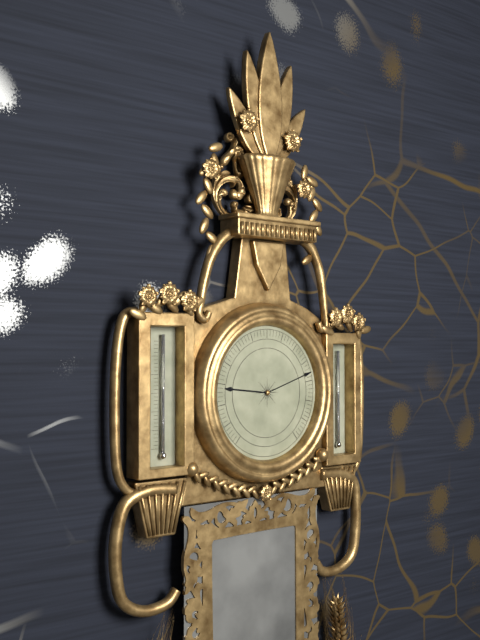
9:12
